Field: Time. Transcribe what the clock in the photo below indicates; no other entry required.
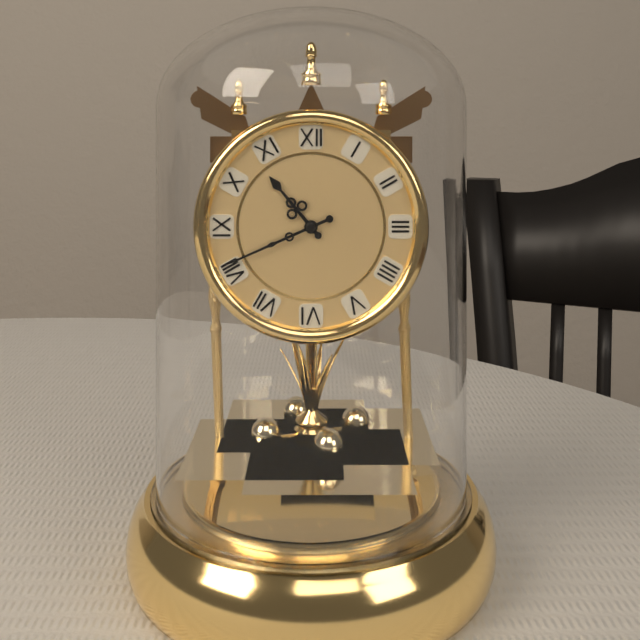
10:41
